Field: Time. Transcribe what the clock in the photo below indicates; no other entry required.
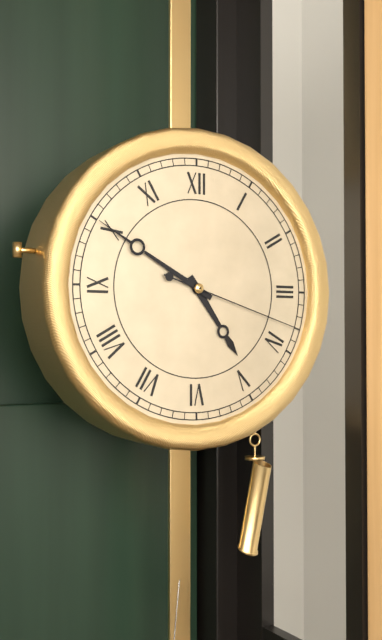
4:50:18
